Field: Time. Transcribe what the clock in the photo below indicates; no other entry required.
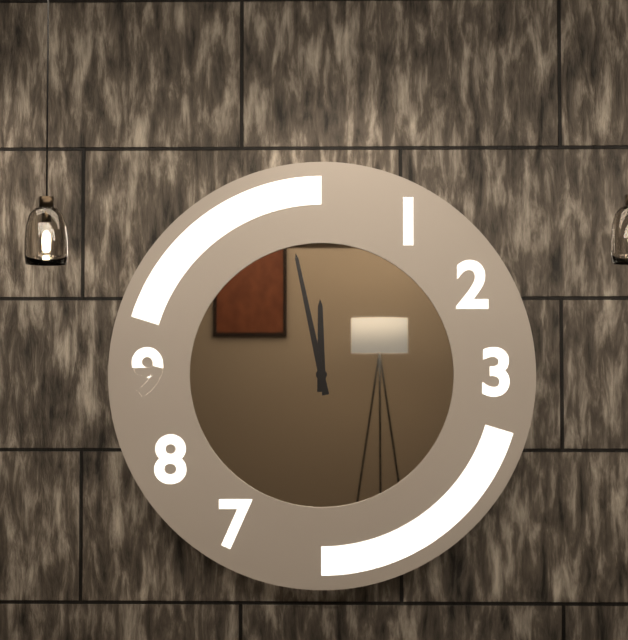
11:58
